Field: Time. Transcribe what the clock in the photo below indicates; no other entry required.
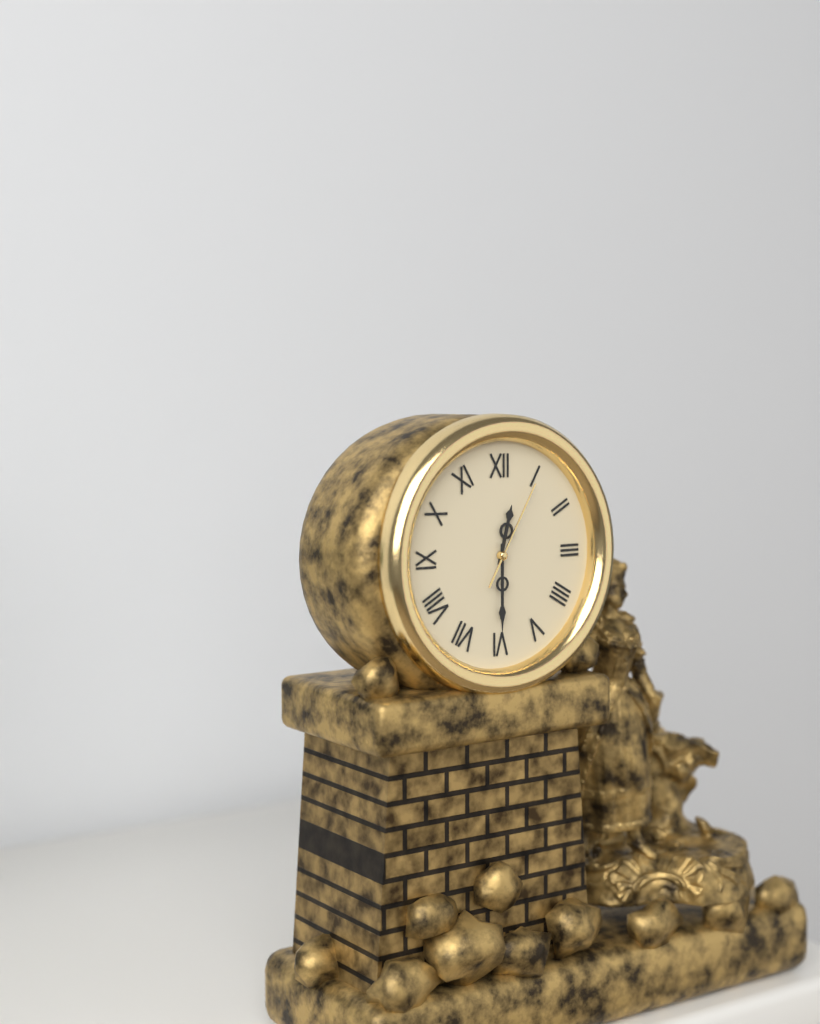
12:30:05
